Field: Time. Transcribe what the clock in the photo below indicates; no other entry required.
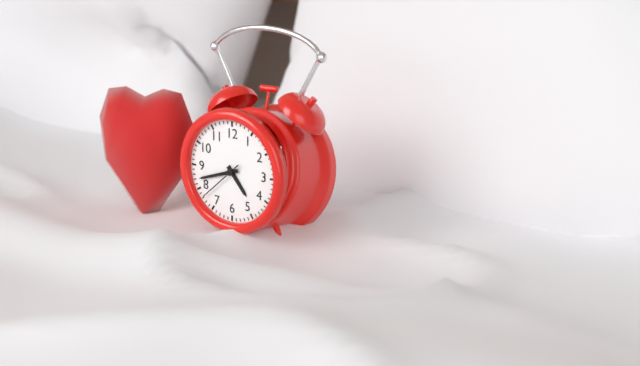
4:42
